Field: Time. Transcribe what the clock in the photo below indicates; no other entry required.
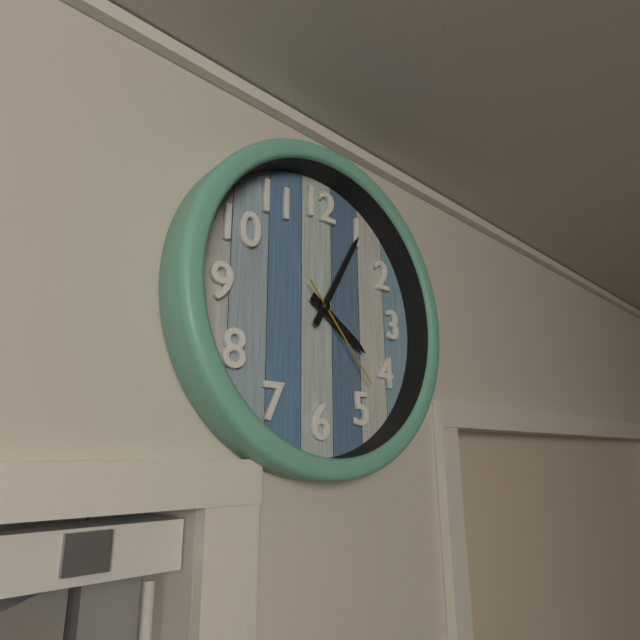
4:05:23
